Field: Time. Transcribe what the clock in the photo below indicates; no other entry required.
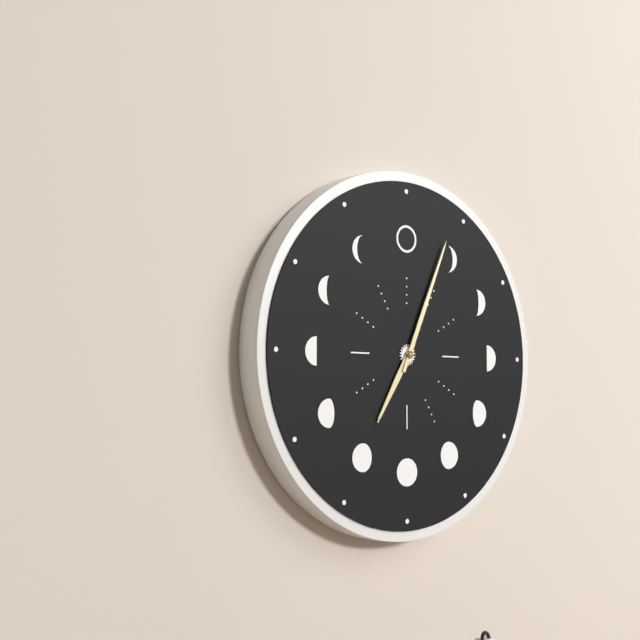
7:04
